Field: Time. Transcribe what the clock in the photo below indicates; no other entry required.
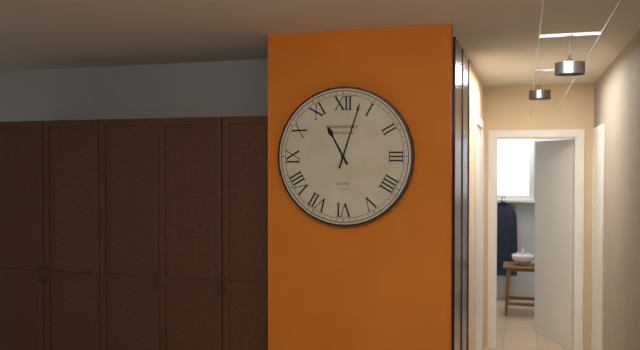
11:03
